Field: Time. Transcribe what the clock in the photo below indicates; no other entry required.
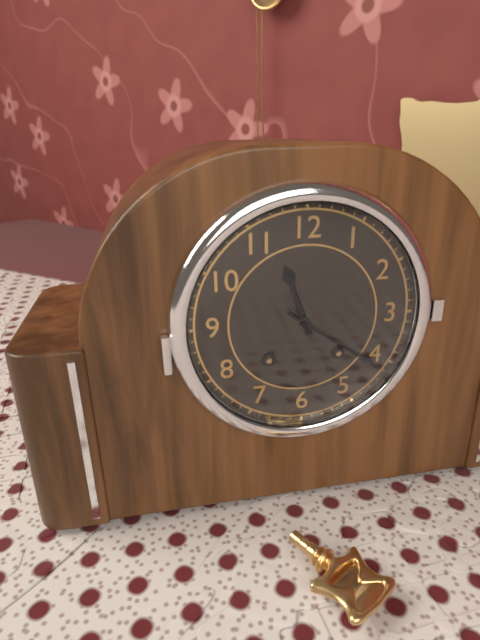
11:21
